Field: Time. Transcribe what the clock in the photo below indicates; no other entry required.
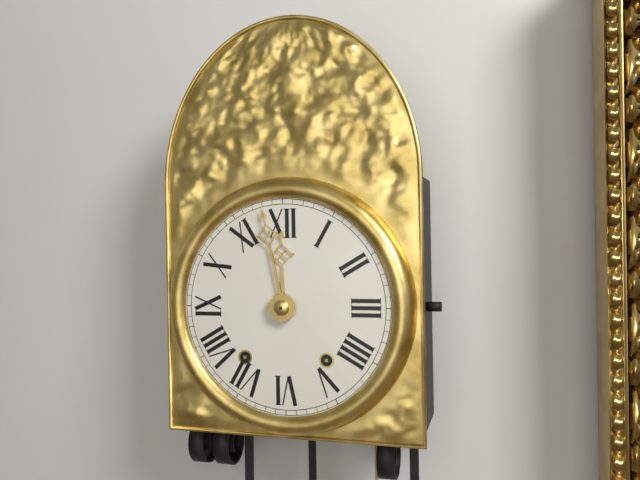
11:58
